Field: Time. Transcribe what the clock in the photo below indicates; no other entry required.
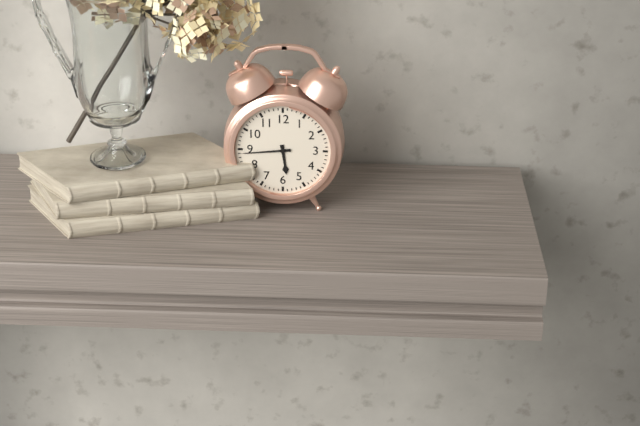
5:44
